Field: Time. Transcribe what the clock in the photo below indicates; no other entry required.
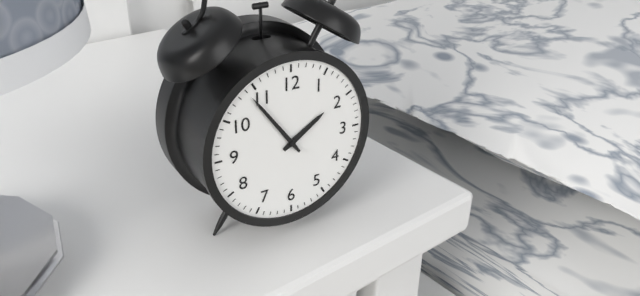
1:54
